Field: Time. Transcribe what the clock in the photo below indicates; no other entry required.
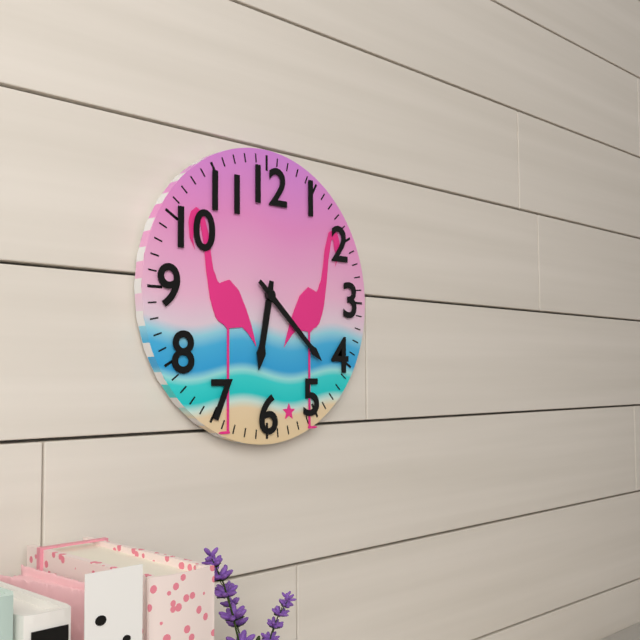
6:22
